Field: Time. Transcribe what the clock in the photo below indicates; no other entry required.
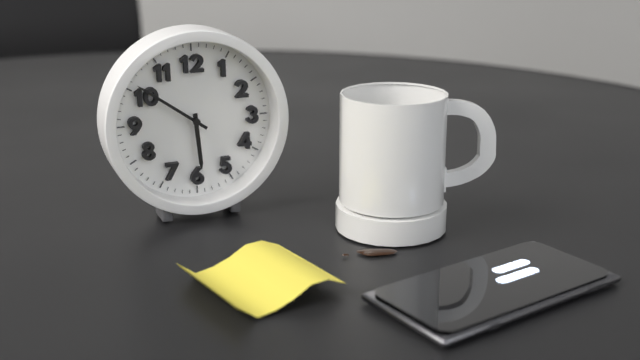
5:51
